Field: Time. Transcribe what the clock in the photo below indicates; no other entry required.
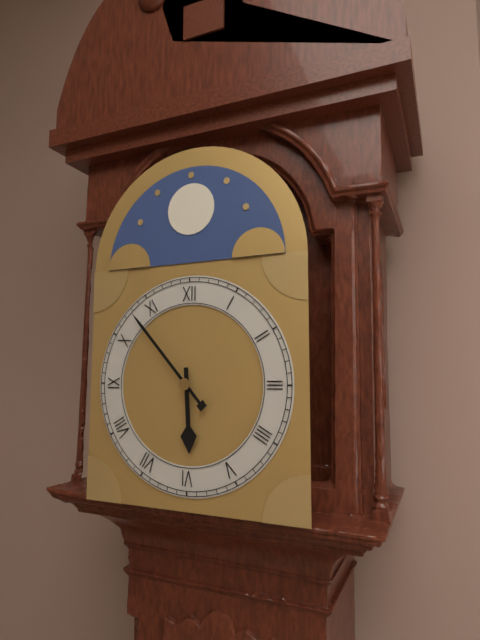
5:53
